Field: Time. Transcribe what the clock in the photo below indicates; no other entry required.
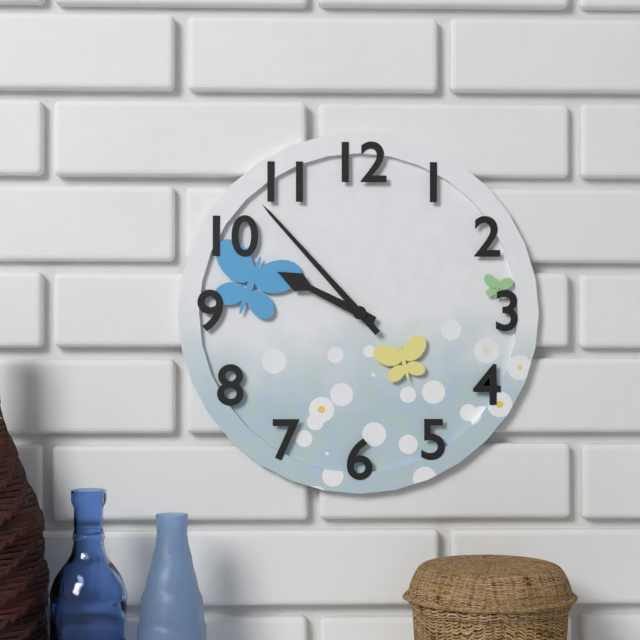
9:53
